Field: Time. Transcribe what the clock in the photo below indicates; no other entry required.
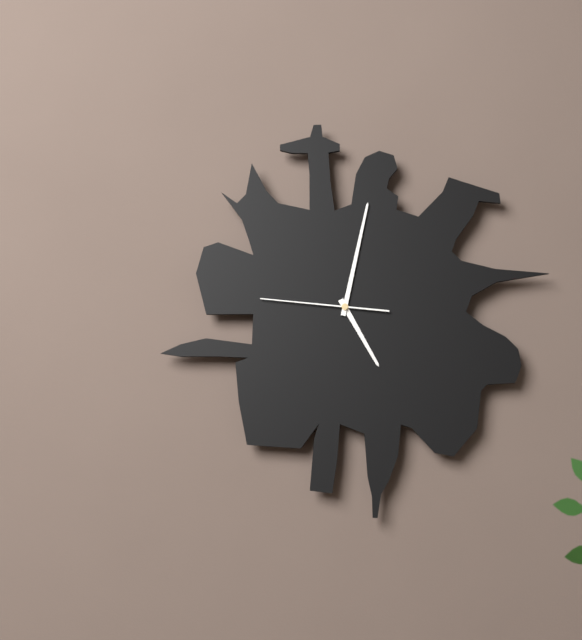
5:02:46
